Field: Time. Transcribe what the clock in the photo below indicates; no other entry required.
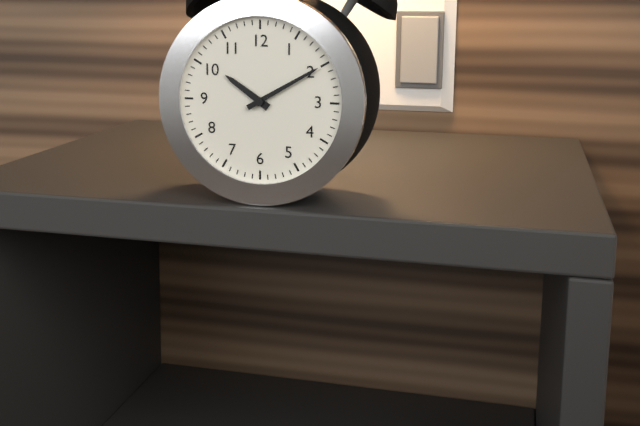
10:10
